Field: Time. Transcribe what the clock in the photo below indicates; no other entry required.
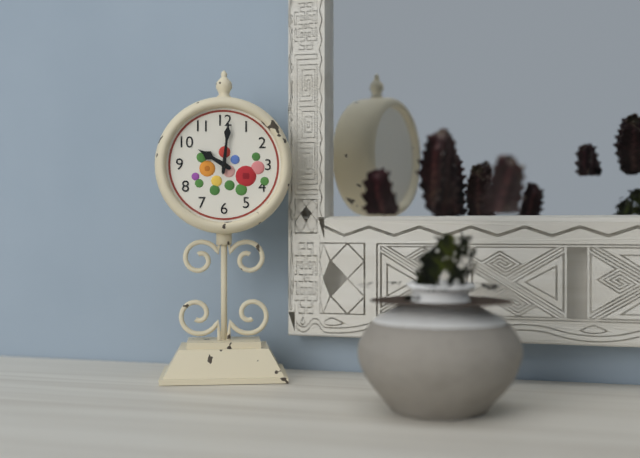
10:01
